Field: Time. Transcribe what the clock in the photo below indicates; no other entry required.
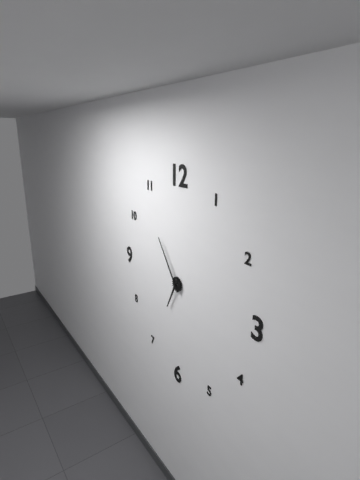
6:54
